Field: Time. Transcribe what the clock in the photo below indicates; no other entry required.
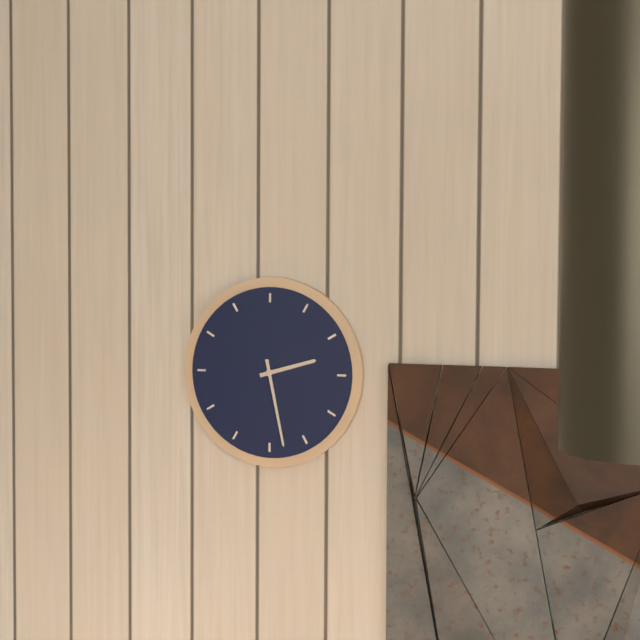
2:28
